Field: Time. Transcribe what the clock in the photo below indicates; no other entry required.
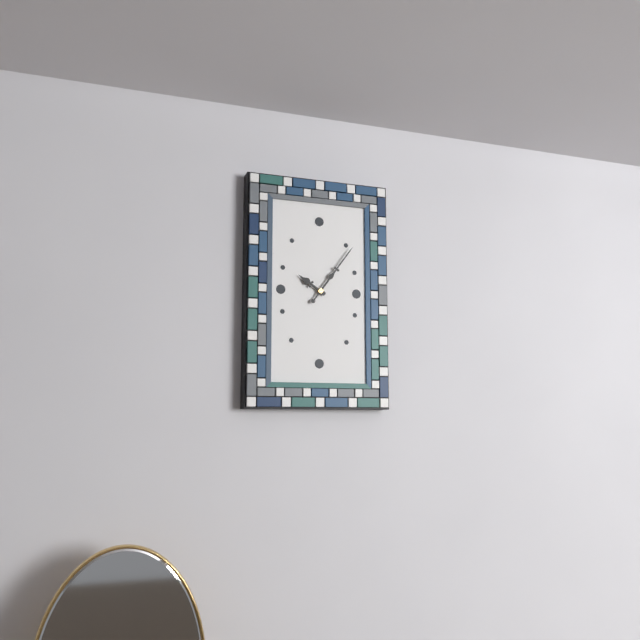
10:06
